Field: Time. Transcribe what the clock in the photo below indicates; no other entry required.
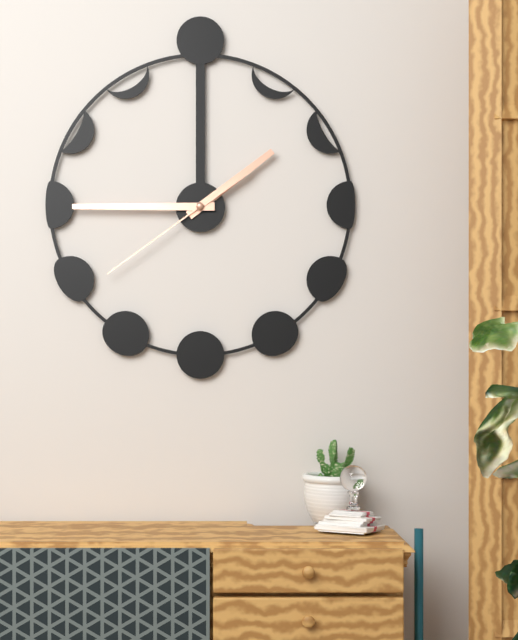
1:45:39
